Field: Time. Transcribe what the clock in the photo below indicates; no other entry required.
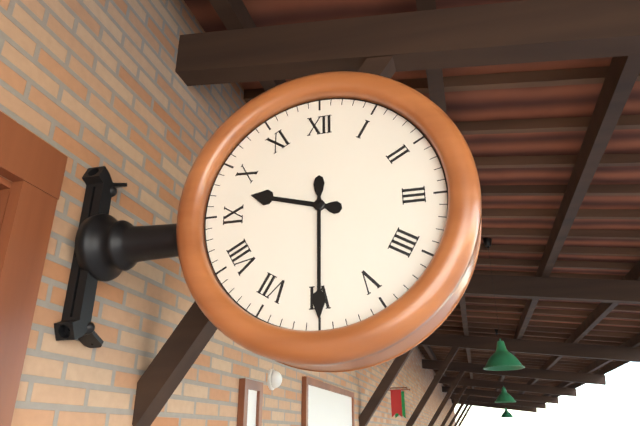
9:30
